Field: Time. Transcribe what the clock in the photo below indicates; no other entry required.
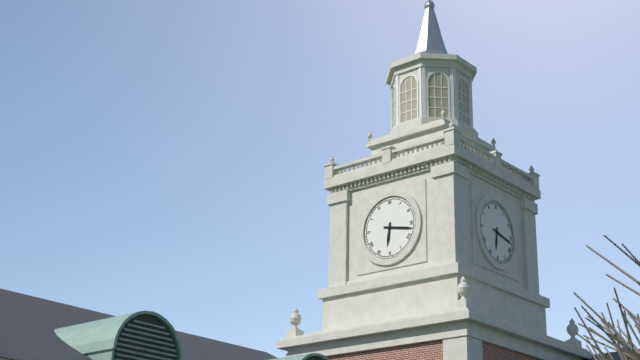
6:17
